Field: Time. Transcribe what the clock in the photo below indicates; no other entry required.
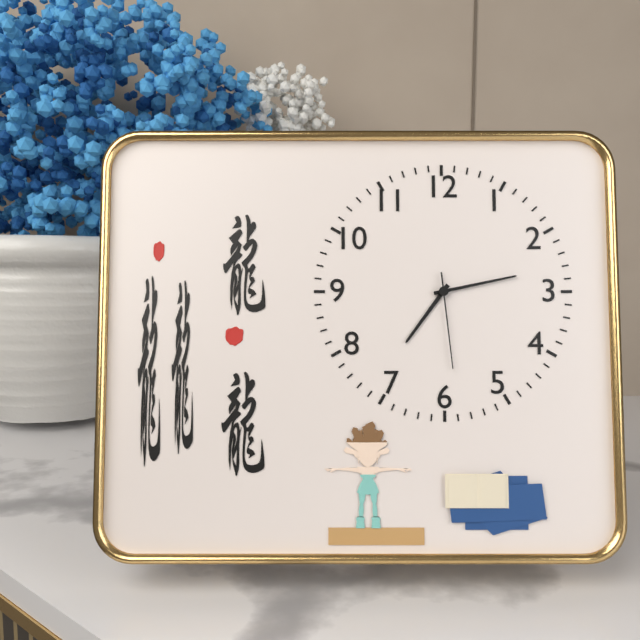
7:13:29
